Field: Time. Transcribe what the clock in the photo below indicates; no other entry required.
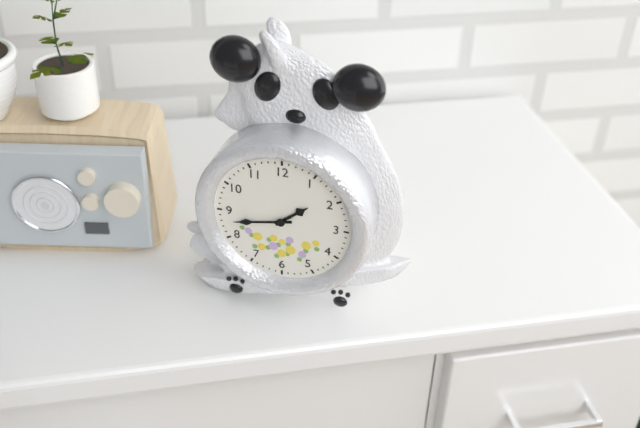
1:43
